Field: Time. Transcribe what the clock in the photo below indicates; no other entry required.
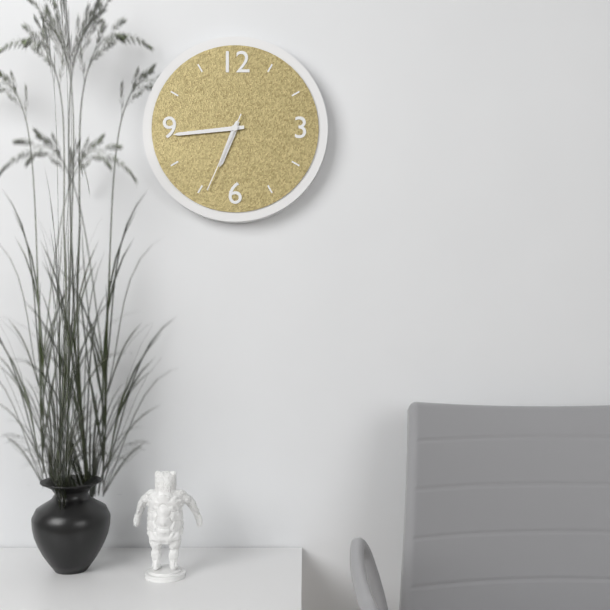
6:44:34
